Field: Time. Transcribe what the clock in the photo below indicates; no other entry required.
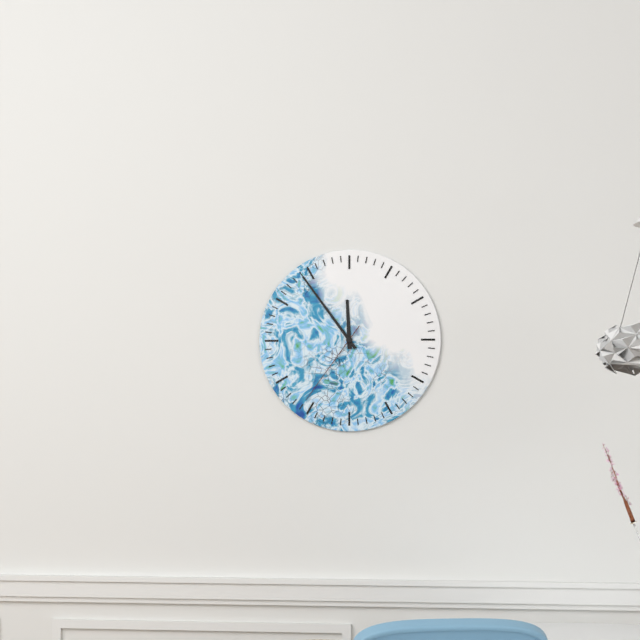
11:54:36
